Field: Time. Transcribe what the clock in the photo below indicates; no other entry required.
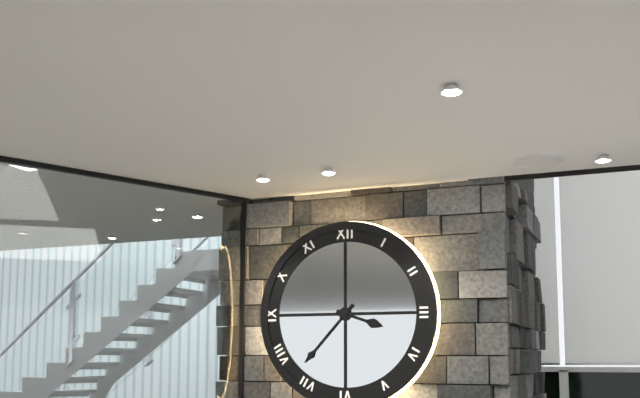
3:37
